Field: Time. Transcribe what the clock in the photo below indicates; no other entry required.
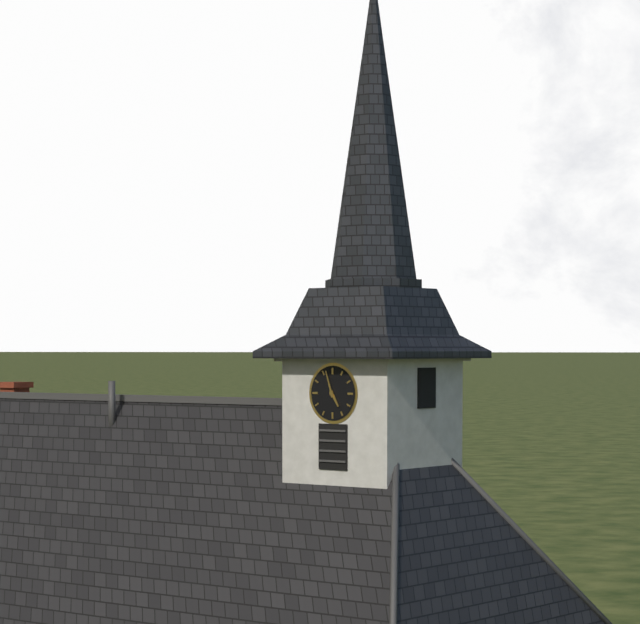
4:57
